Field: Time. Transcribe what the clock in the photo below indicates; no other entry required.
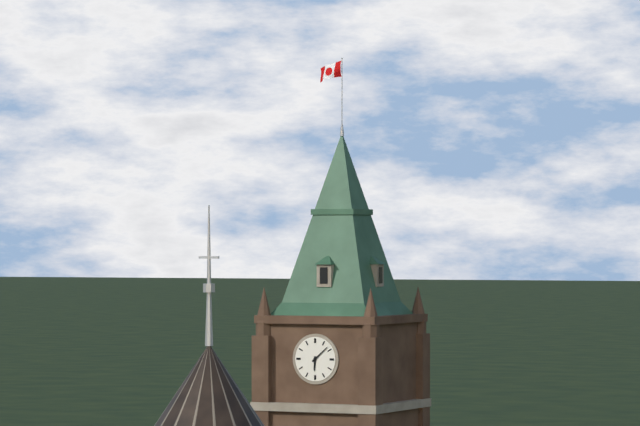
6:08
